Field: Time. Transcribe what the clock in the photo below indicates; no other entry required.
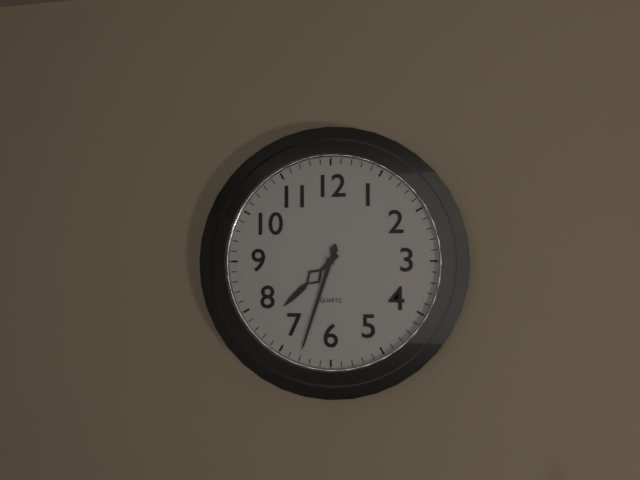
7:33
